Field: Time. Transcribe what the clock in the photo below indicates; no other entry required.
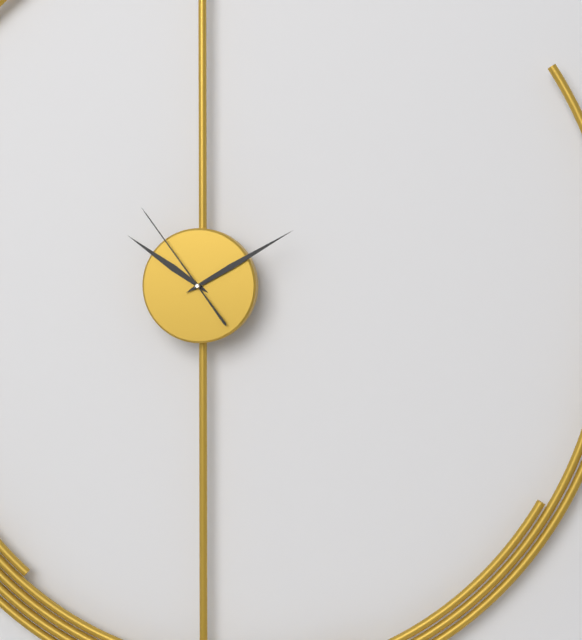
10:10:54
